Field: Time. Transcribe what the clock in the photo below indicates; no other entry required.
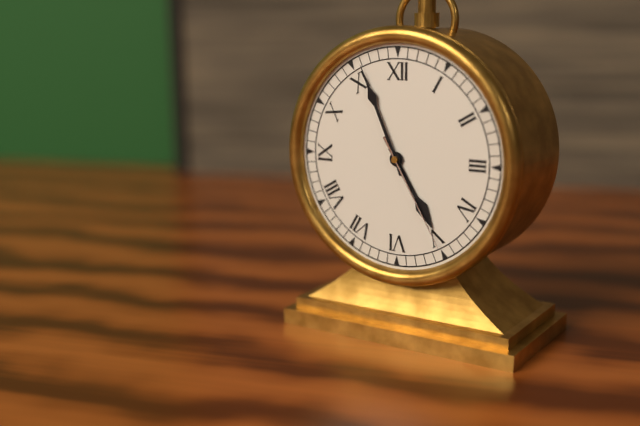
4:56:25
